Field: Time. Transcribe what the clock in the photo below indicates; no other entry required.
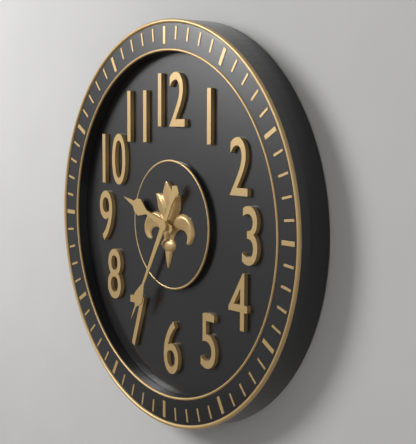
9:35
